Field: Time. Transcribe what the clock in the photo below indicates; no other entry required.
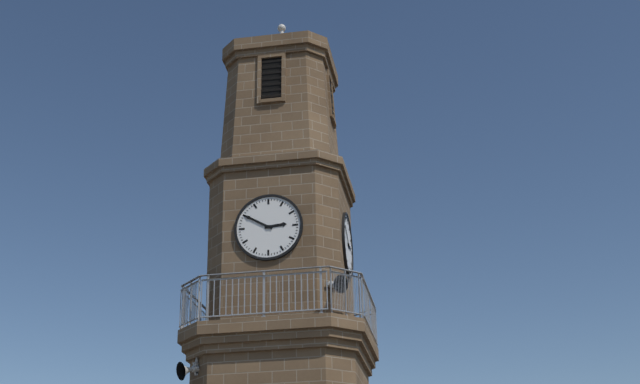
2:50
